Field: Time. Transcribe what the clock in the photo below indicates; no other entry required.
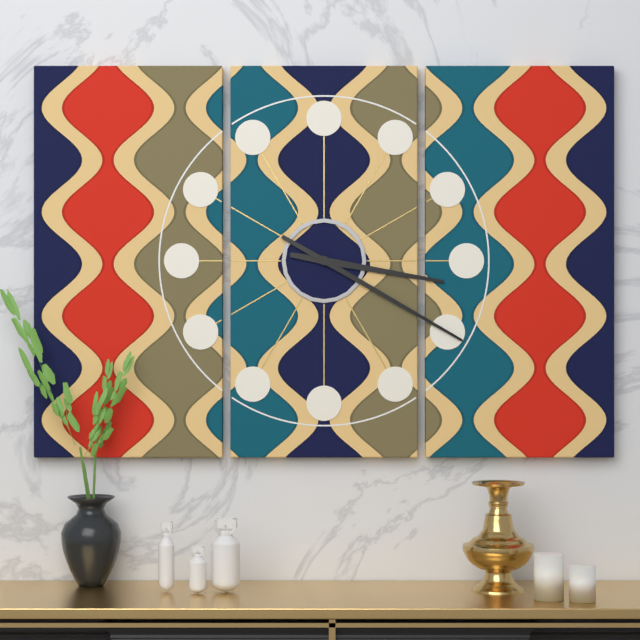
3:20
